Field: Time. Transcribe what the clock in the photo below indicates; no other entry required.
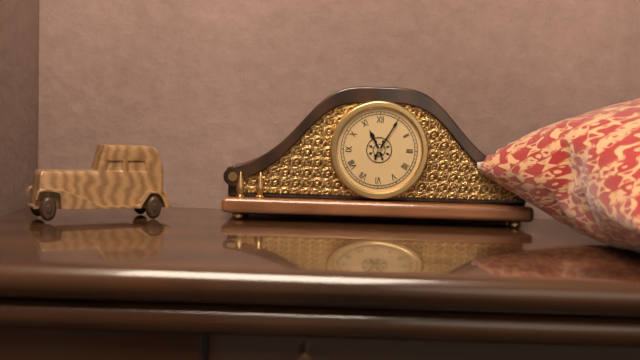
11:05
